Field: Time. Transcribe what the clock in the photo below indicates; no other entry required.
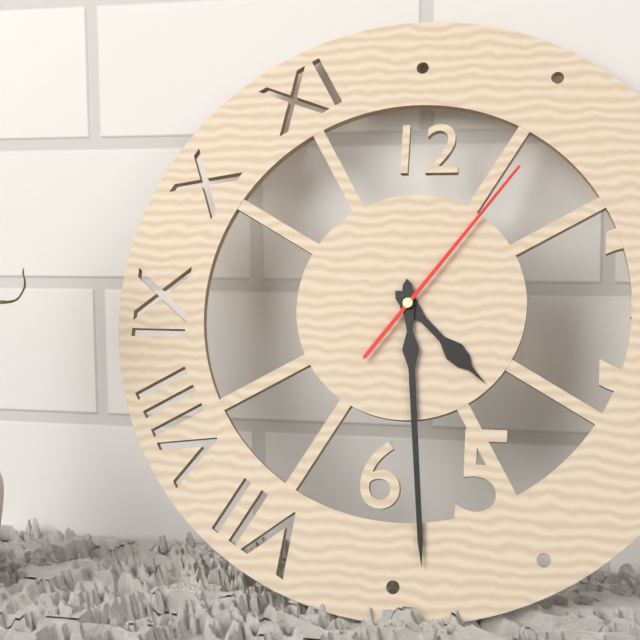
4:29:06
